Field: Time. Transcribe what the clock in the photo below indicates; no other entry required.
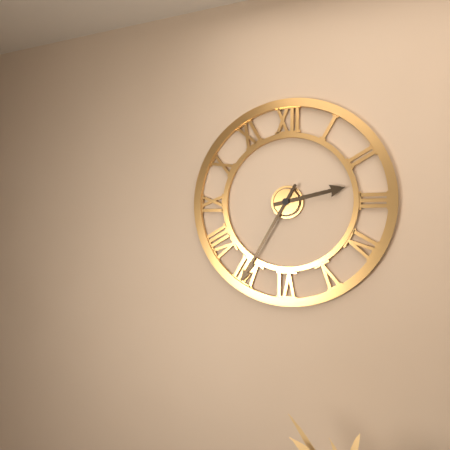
2:35
